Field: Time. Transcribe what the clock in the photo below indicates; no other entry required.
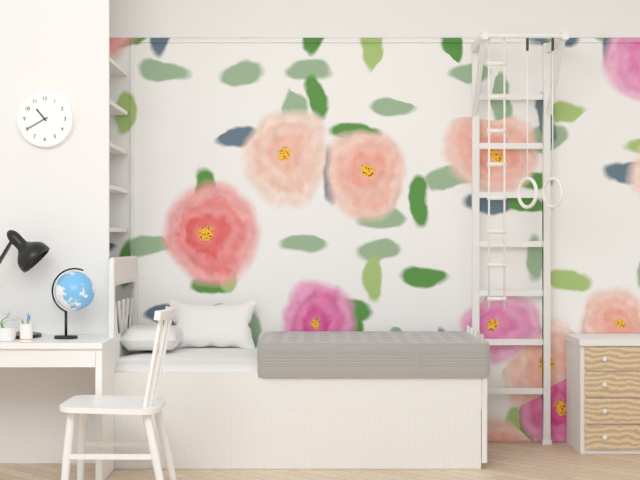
10:40
